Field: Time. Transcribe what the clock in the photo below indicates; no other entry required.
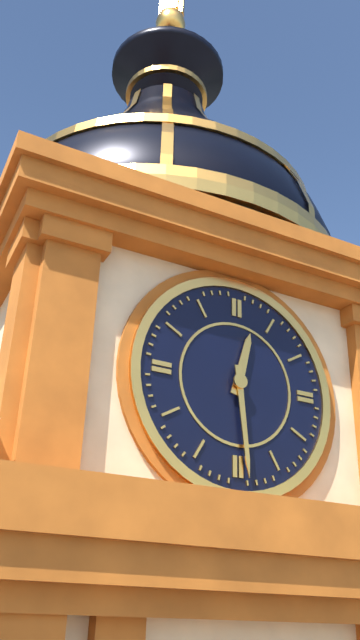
12:29
